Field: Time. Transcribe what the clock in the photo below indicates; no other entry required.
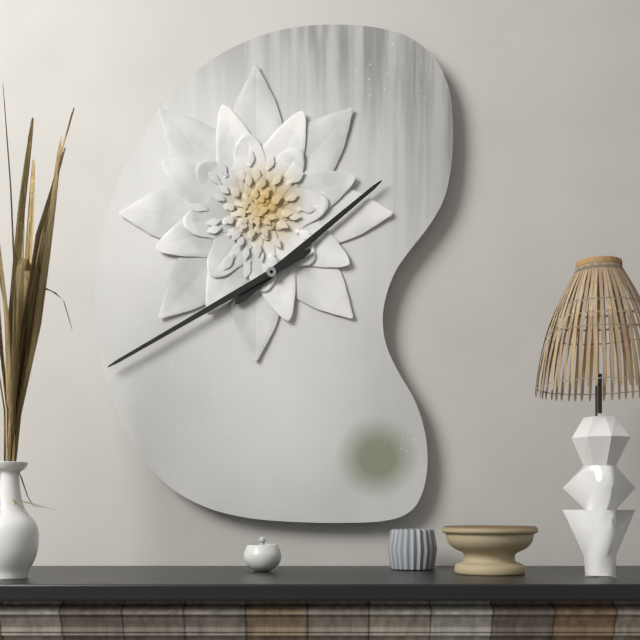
1:40
